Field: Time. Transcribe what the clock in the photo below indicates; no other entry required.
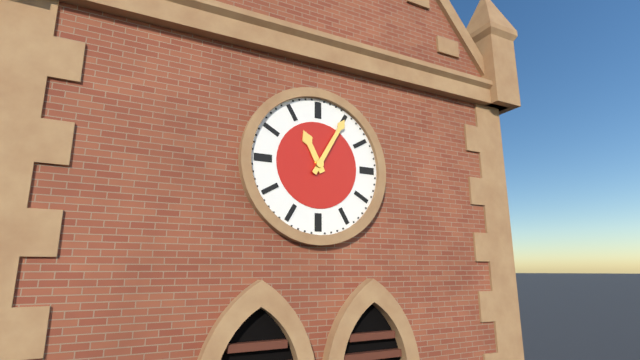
11:05
